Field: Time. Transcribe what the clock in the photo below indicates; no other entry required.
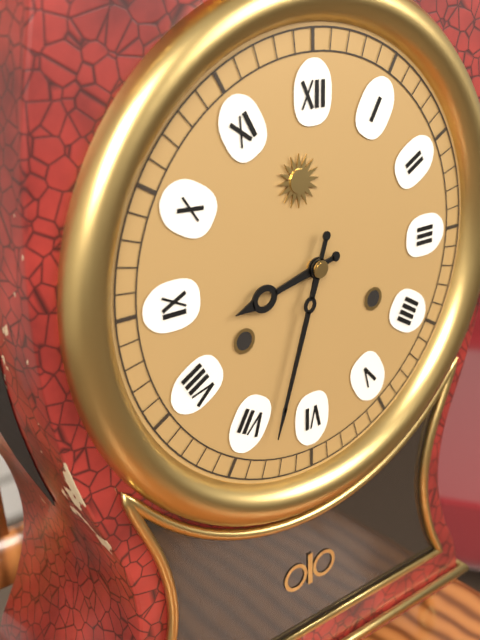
8:33
